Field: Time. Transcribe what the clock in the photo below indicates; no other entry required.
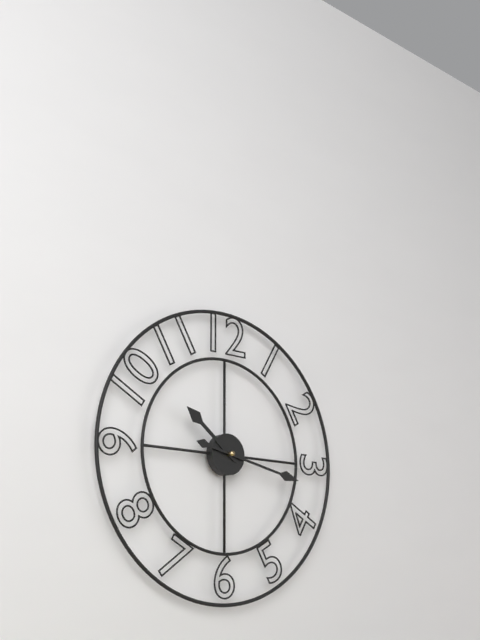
10:17
